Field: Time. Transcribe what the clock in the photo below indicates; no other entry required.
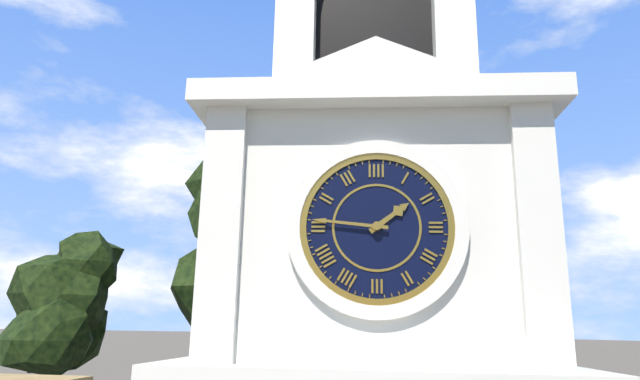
1:46
